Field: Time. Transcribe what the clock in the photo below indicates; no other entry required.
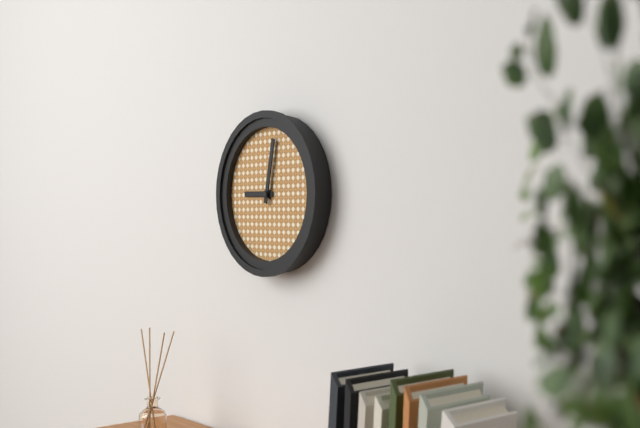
9:02
